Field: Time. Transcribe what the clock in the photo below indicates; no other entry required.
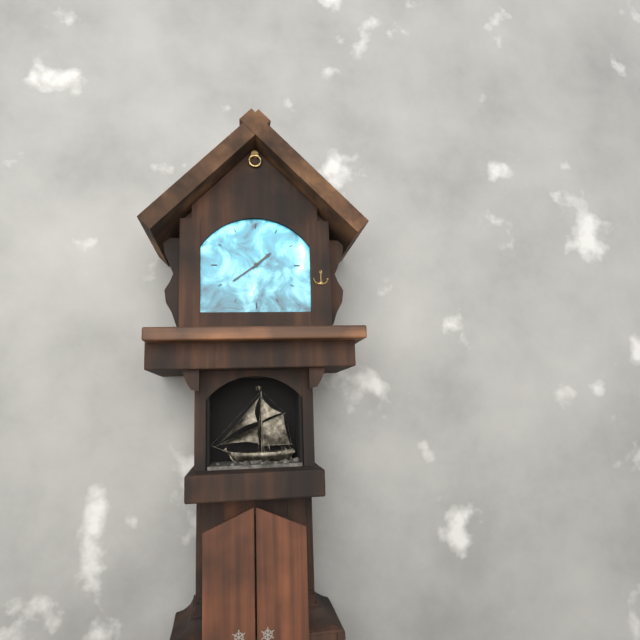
1:39
